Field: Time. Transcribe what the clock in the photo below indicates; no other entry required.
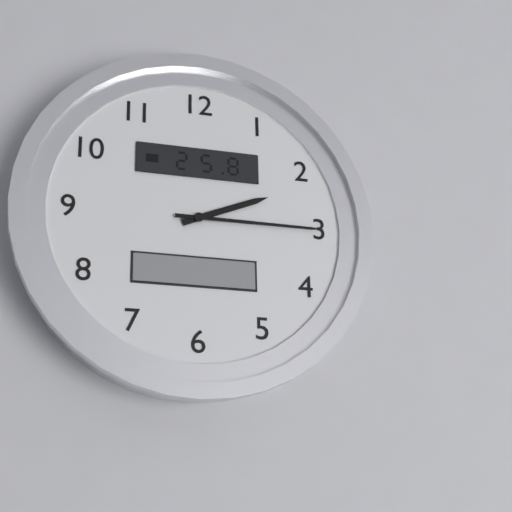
2:15
